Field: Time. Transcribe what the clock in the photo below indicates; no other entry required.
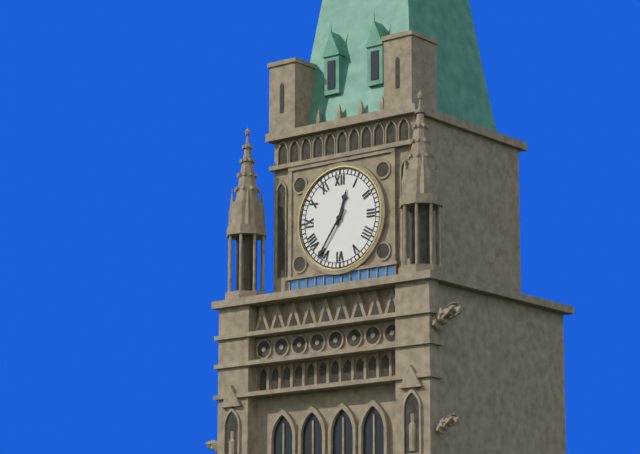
12:36
